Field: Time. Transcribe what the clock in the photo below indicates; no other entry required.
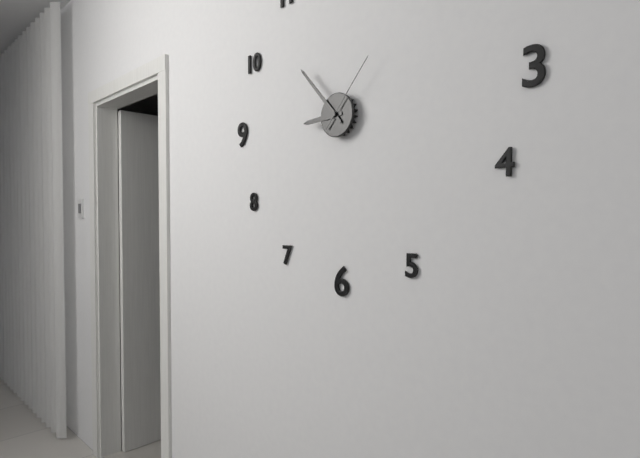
8:53:07
